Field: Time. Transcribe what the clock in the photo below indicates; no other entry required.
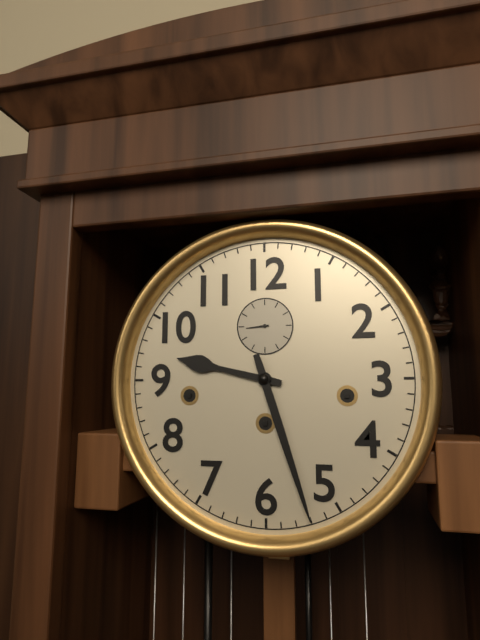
9:27
